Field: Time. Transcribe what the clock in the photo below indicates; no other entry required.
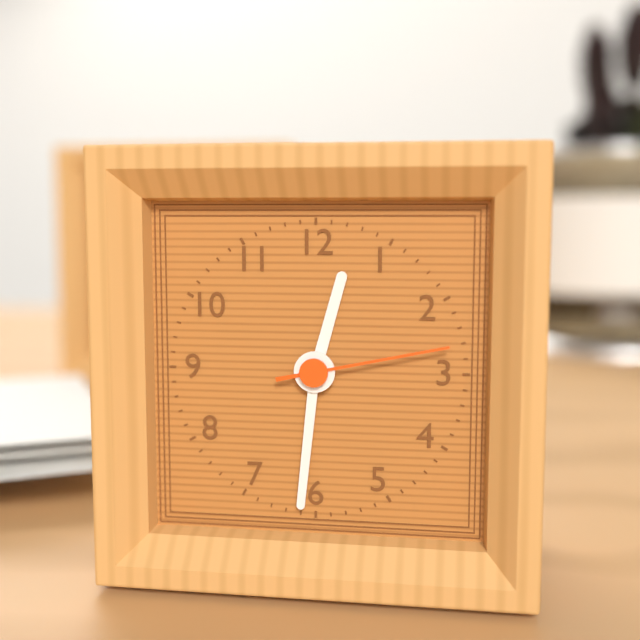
12:31:13
